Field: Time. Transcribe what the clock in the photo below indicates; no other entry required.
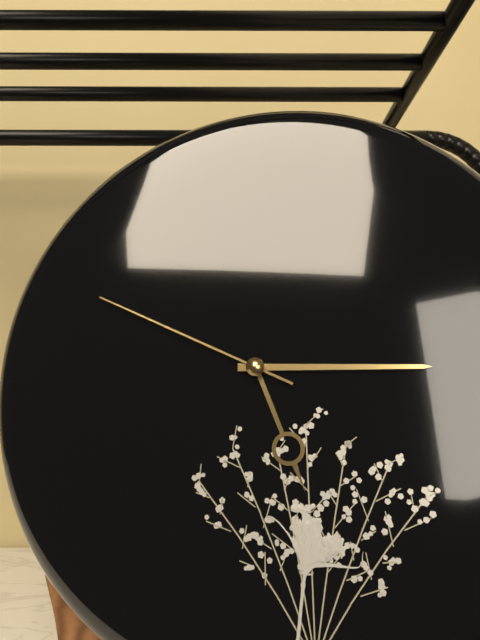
5:15:49
